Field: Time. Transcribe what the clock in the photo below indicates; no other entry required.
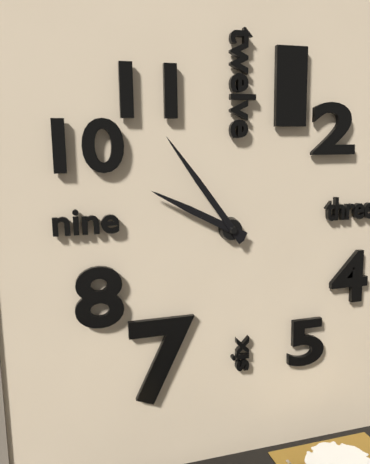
9:54
